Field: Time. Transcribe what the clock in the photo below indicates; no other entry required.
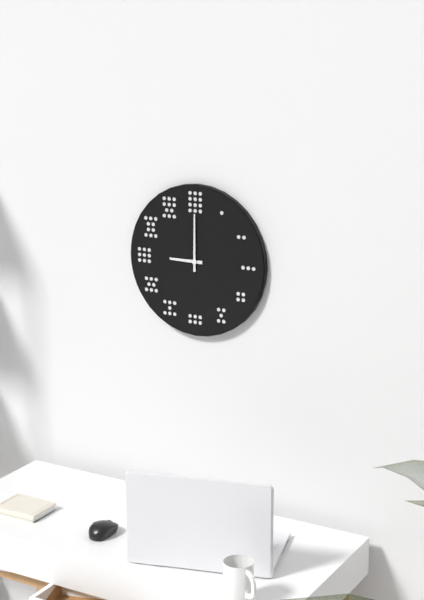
9:00
